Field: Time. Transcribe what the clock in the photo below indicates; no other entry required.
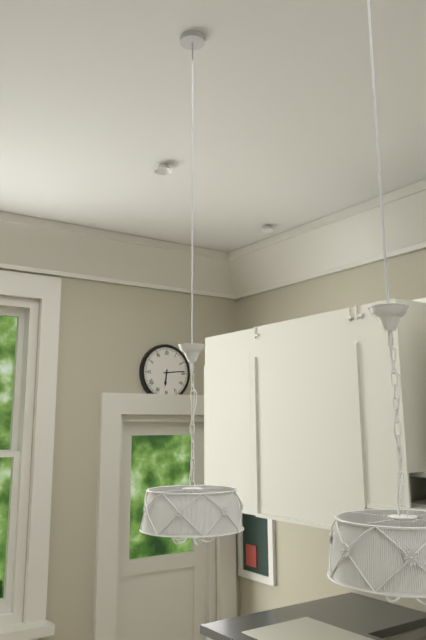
6:14
